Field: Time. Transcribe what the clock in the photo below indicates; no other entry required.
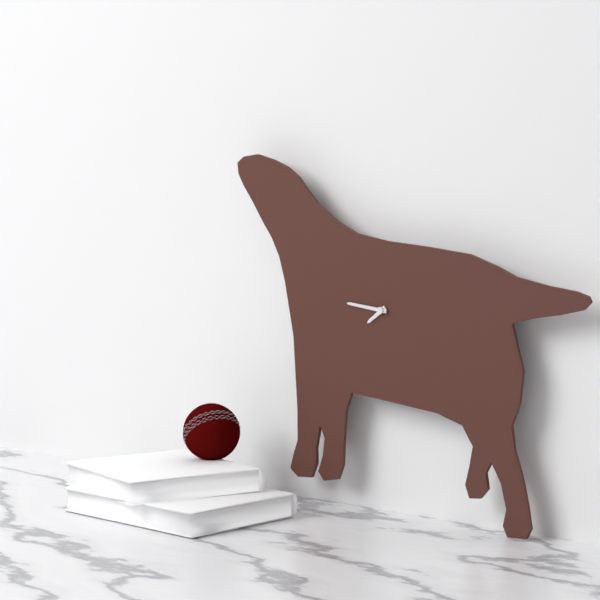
7:46
